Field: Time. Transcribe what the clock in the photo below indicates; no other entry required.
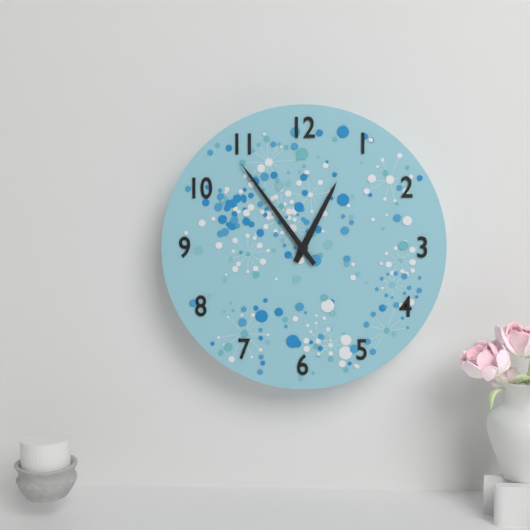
12:54
